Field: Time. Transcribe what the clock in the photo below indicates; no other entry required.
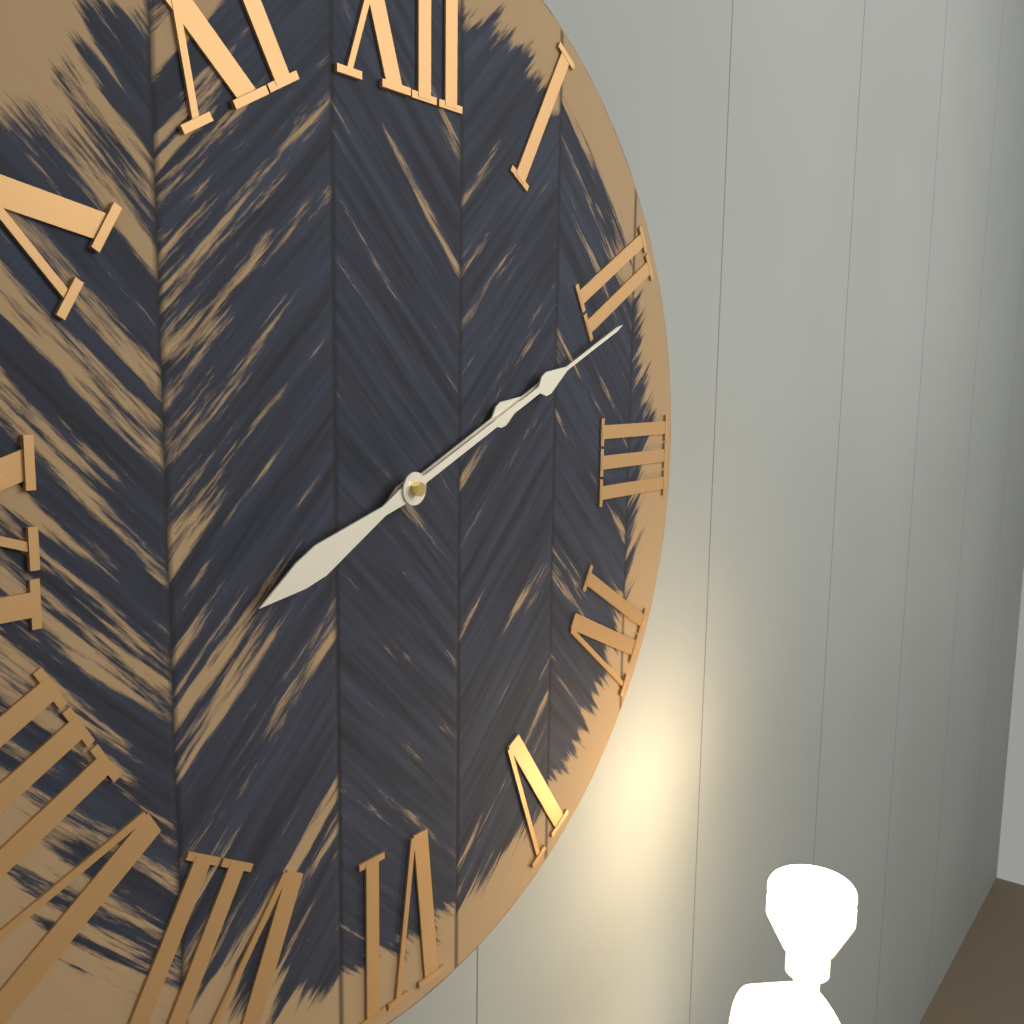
2:11
